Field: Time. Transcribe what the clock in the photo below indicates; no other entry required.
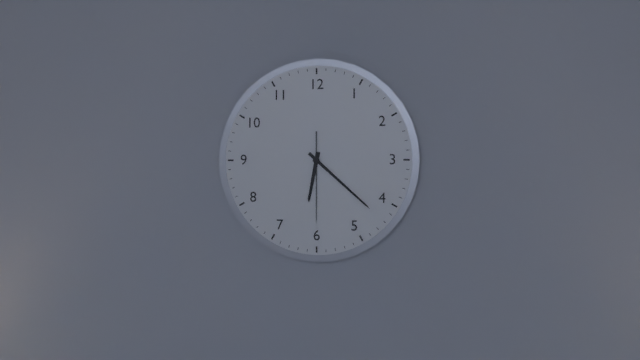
6:22:30
